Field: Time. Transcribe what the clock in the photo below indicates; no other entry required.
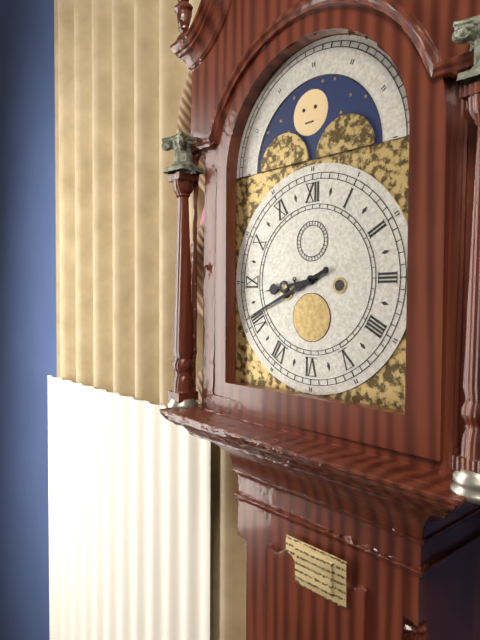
8:41
